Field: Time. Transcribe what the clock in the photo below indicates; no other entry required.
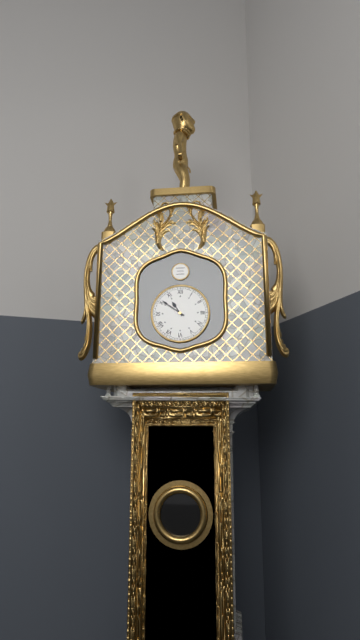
10:51
